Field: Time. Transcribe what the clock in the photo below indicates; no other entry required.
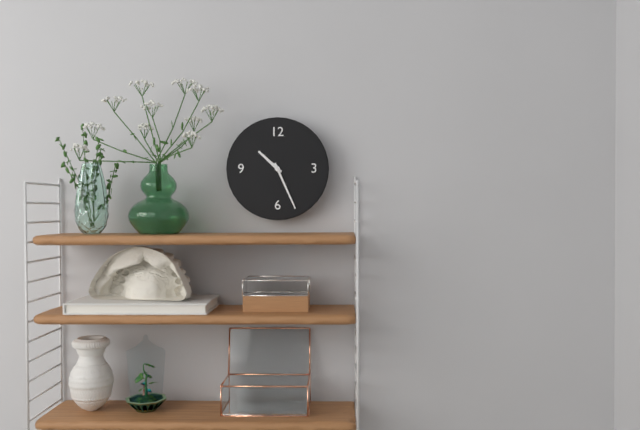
10:26
